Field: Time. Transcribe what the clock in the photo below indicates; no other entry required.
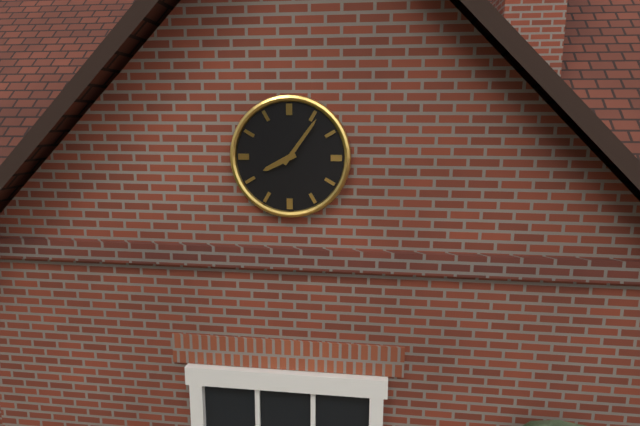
8:06
